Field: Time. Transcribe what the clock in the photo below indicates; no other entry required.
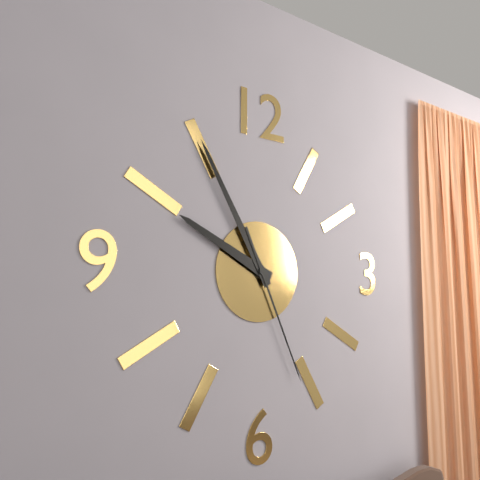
9:55:26
